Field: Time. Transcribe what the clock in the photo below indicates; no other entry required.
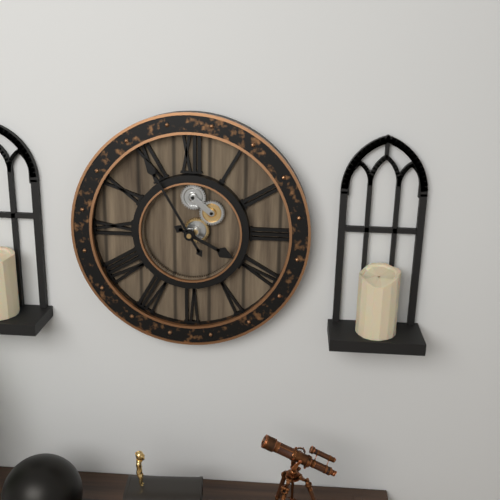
3:55
